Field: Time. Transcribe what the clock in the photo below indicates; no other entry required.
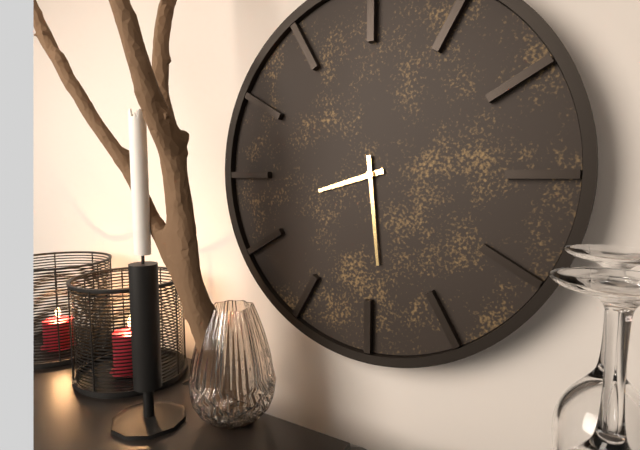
8:29
